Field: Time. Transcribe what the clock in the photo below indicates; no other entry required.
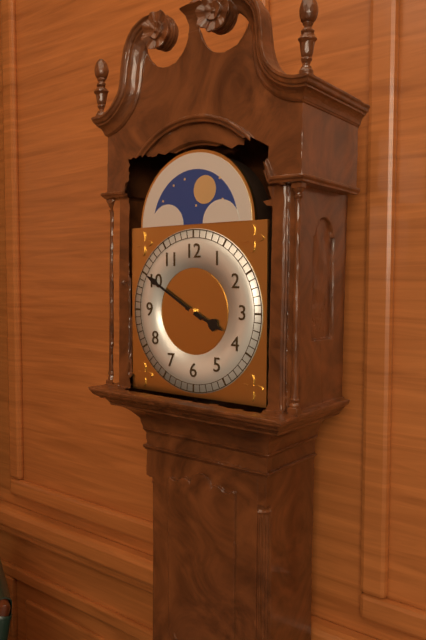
3:50
